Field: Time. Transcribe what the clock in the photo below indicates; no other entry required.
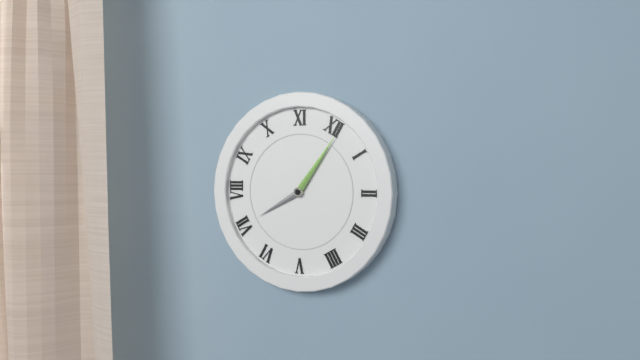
7:01
